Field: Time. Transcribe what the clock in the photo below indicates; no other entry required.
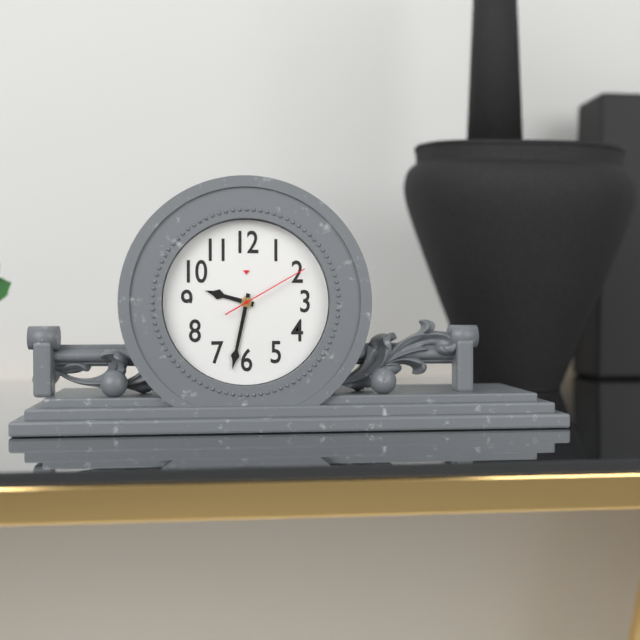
9:32:10
